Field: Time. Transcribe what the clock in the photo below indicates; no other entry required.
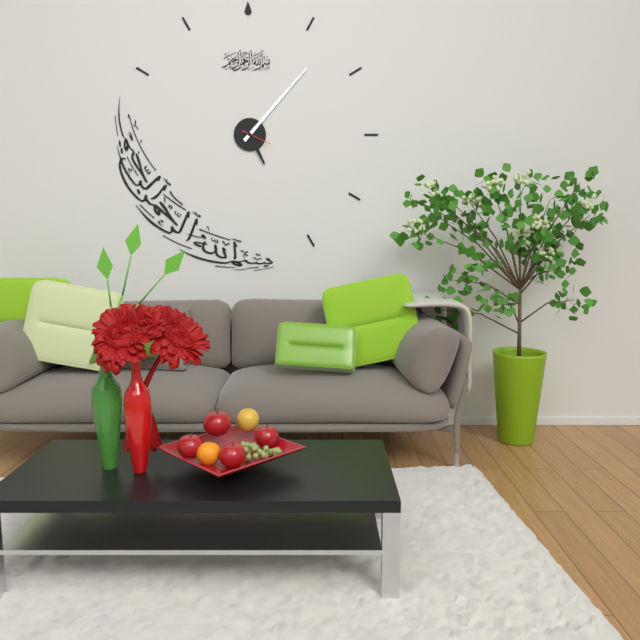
5:07
